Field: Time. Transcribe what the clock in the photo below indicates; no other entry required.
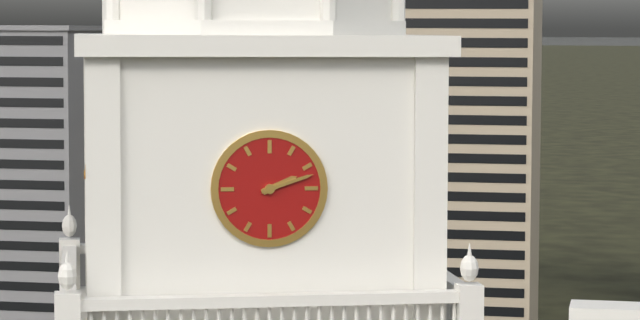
2:12
